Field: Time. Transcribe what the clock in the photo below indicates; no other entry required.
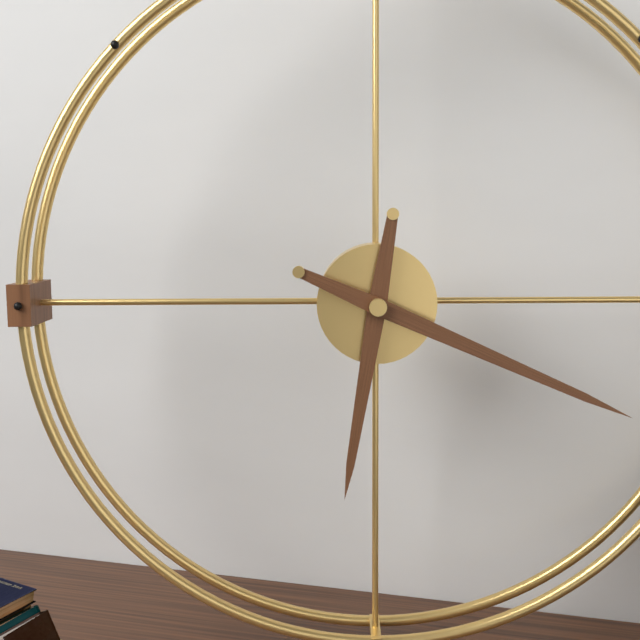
6:19
